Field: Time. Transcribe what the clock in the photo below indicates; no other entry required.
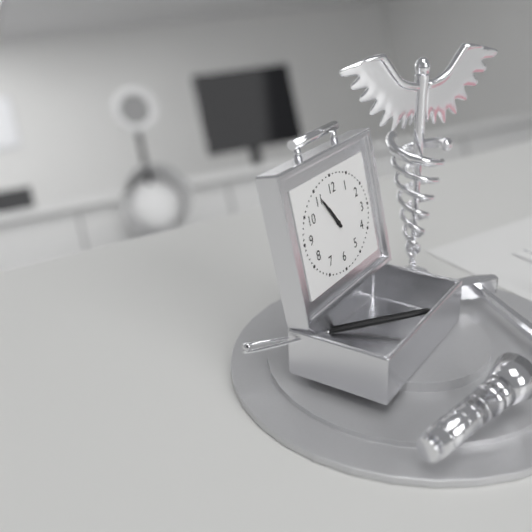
10:54
